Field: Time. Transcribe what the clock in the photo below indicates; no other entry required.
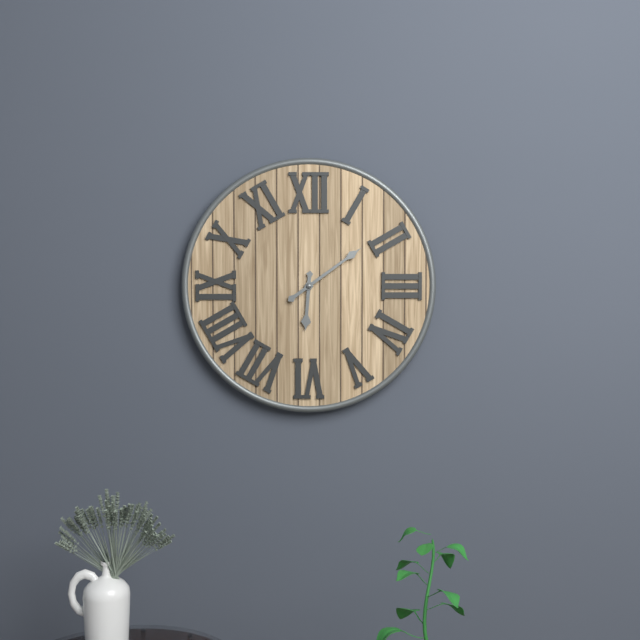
6:09
